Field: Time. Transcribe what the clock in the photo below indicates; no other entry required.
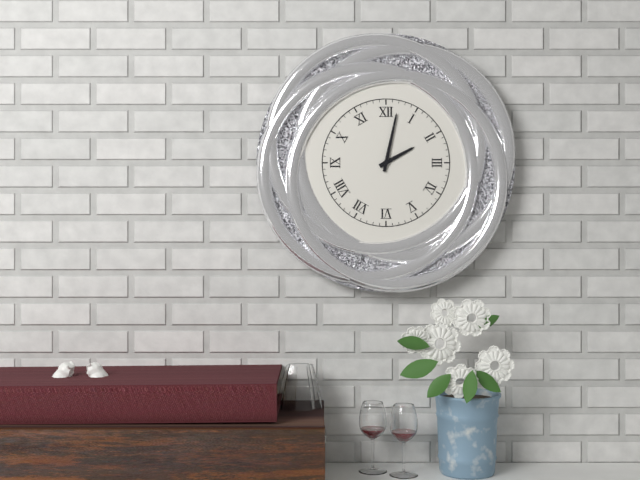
2:02
